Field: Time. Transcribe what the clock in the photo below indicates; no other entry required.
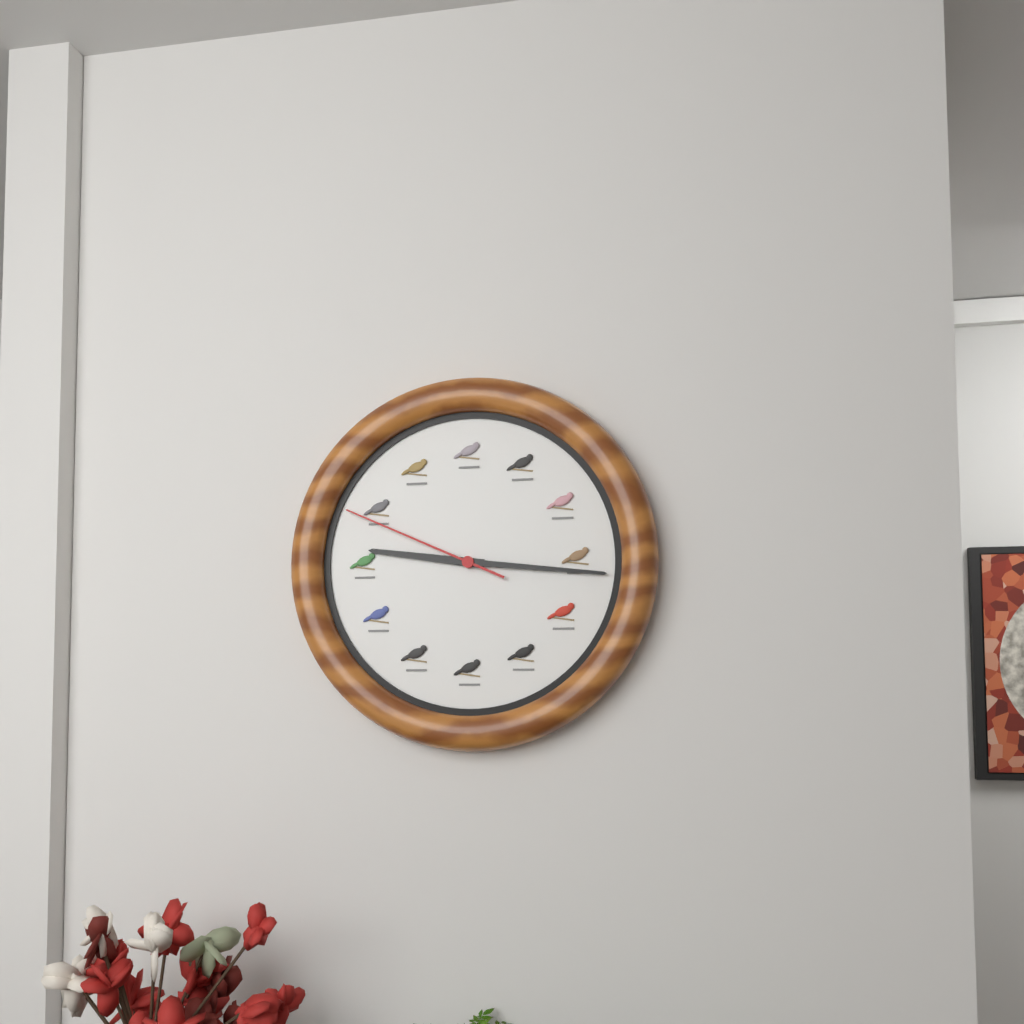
9:16:49
